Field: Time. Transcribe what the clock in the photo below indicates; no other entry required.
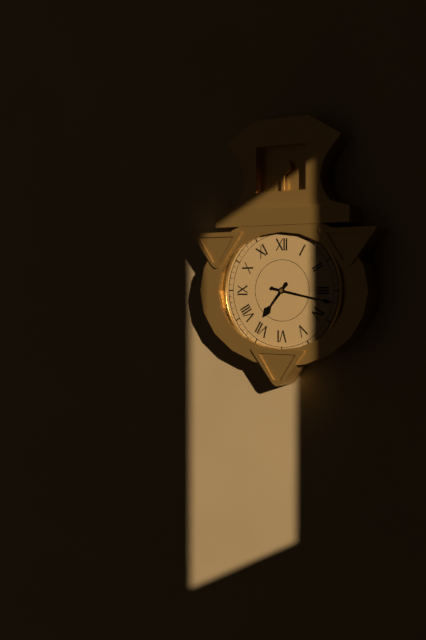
7:17
